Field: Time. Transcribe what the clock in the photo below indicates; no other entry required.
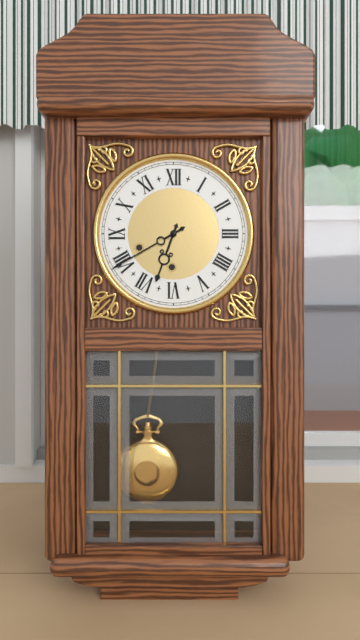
6:40
